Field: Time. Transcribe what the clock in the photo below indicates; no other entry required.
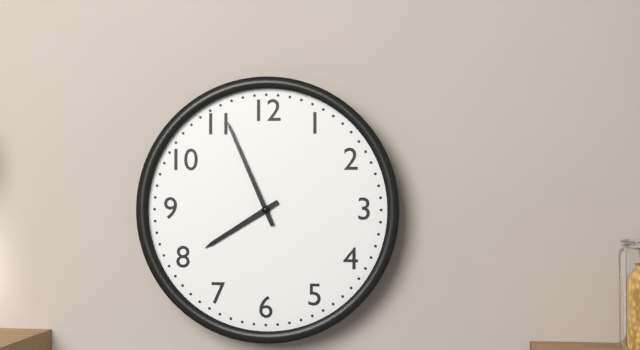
7:56
